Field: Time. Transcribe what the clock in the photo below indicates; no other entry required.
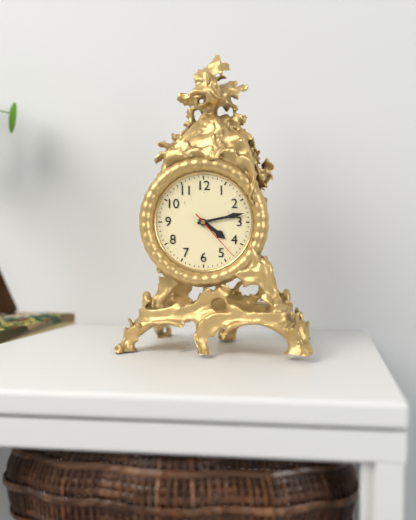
4:13:23
